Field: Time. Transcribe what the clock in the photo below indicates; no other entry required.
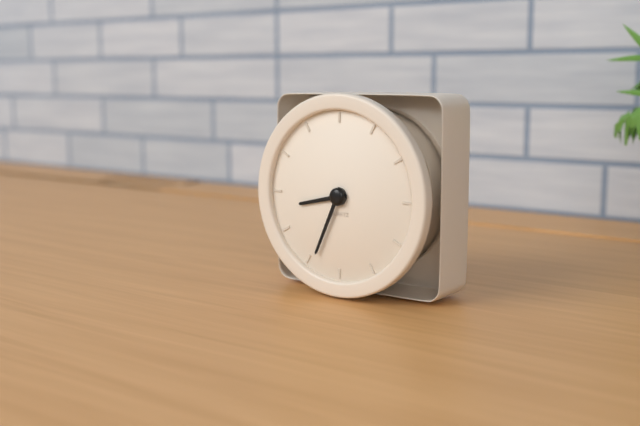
8:34
